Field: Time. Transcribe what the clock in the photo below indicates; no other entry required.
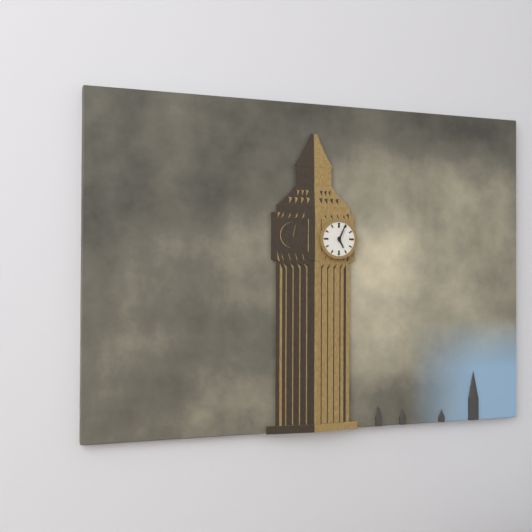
5:04
